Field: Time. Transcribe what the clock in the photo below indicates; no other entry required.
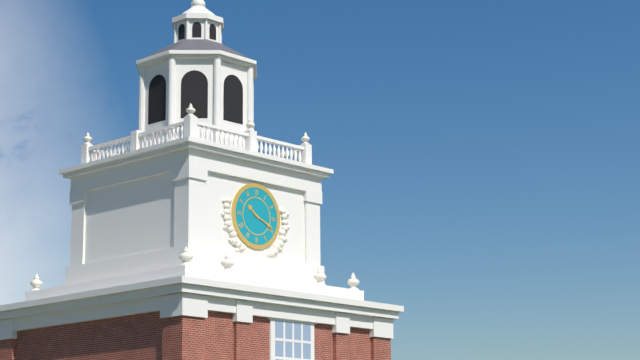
10:19
